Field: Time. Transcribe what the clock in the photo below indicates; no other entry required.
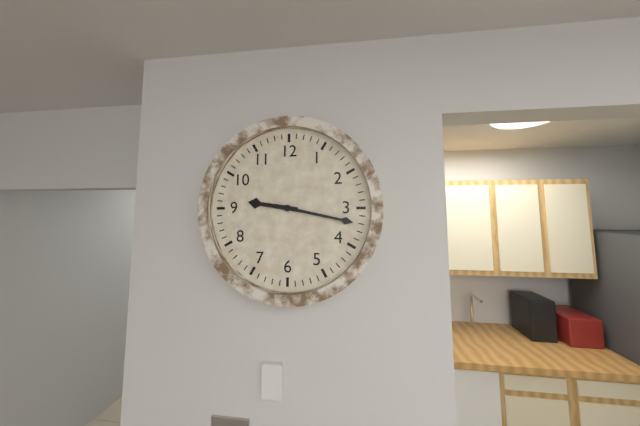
9:17
